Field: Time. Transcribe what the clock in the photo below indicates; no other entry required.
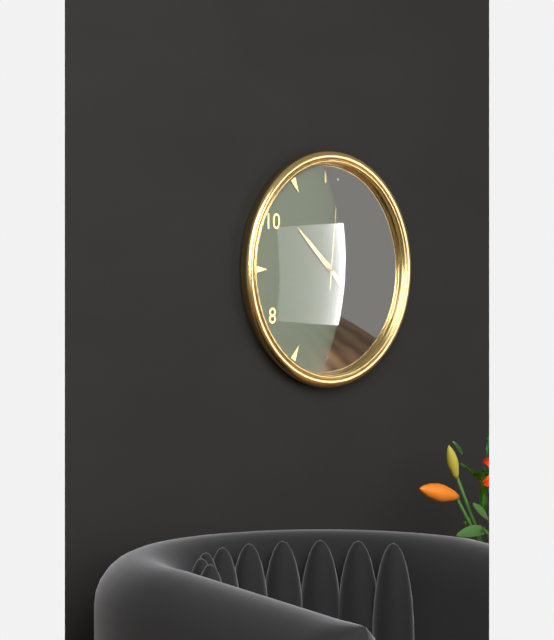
10:23:01
